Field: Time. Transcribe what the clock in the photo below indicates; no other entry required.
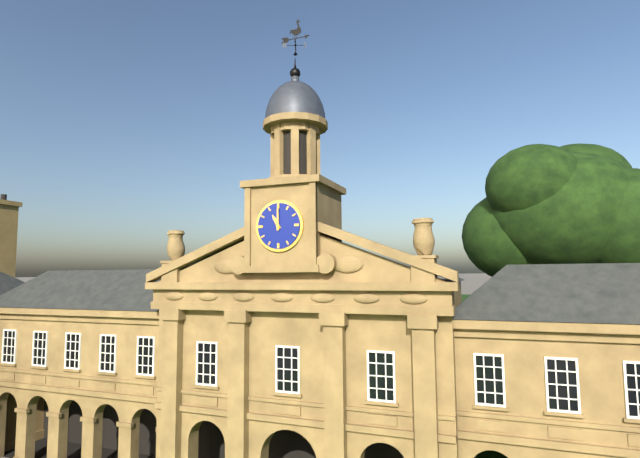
11:00
